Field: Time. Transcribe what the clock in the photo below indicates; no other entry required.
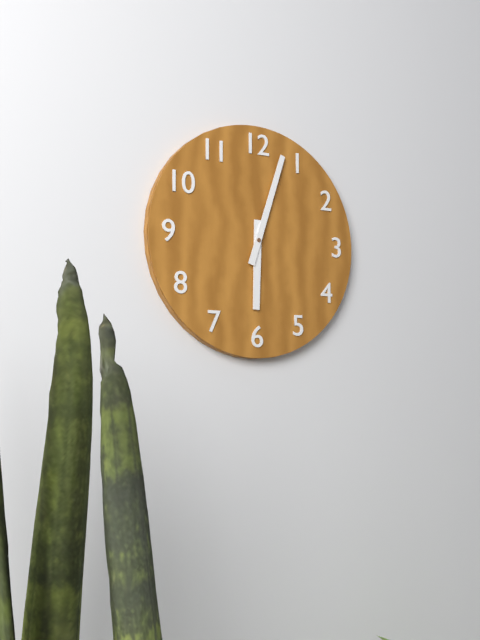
6:03
